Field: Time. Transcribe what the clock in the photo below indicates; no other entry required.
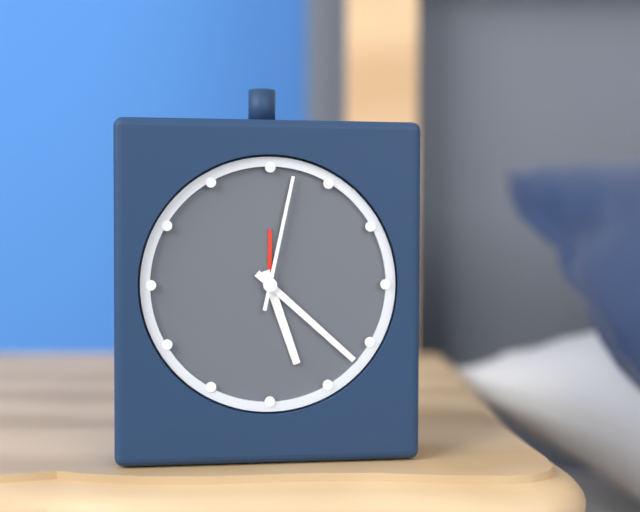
5:22:02
